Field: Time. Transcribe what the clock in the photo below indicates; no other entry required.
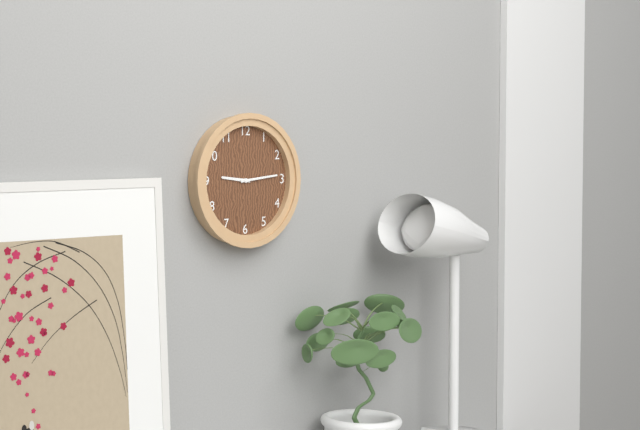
9:14
